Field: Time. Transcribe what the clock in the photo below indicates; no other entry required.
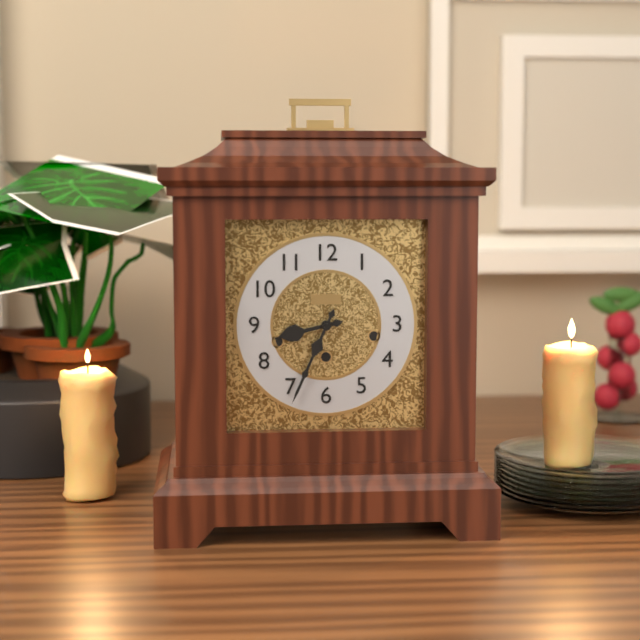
8:34
